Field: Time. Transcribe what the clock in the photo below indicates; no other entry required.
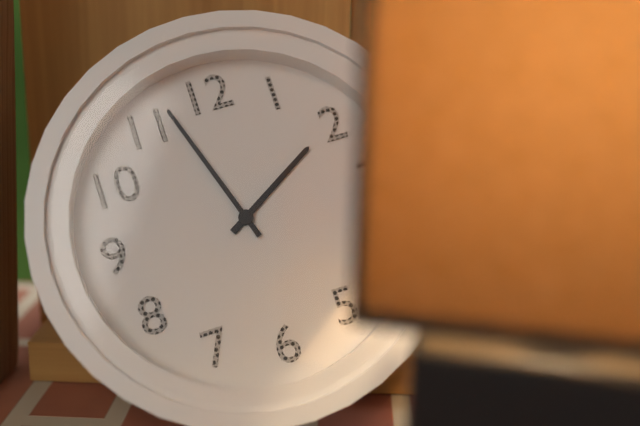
1:57
